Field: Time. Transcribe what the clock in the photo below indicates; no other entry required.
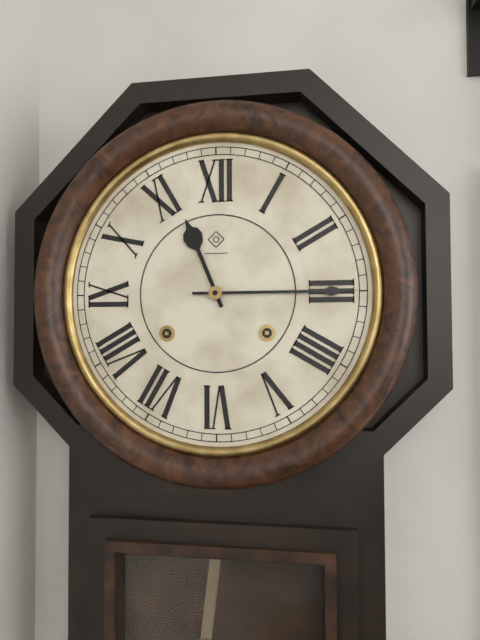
11:15
